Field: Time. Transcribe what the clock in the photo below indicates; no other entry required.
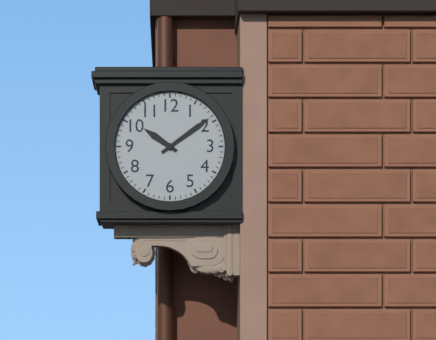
10:09
